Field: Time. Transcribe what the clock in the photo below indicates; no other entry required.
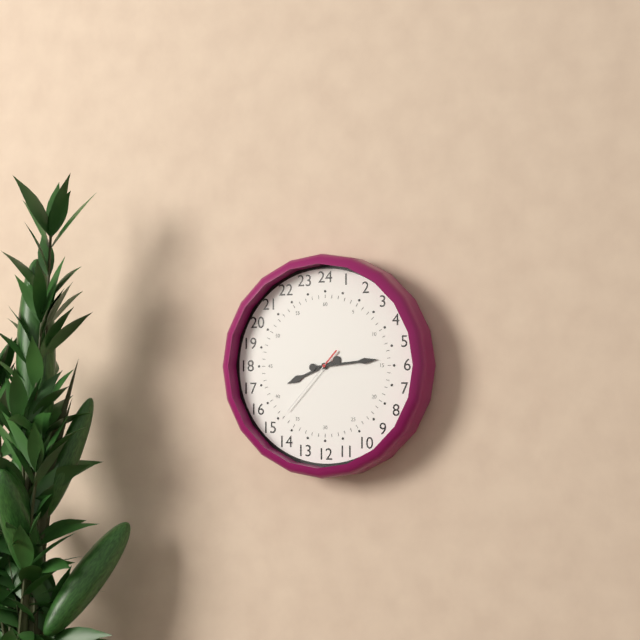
8:14:37
